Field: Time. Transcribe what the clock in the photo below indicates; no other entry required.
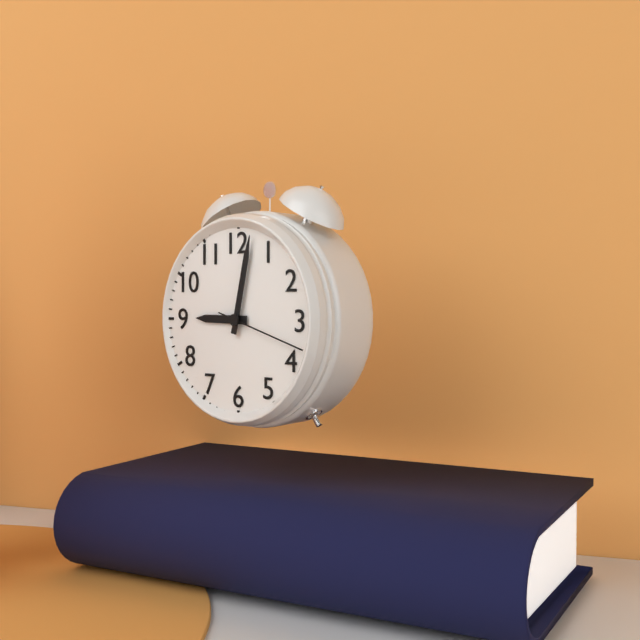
9:02:18
